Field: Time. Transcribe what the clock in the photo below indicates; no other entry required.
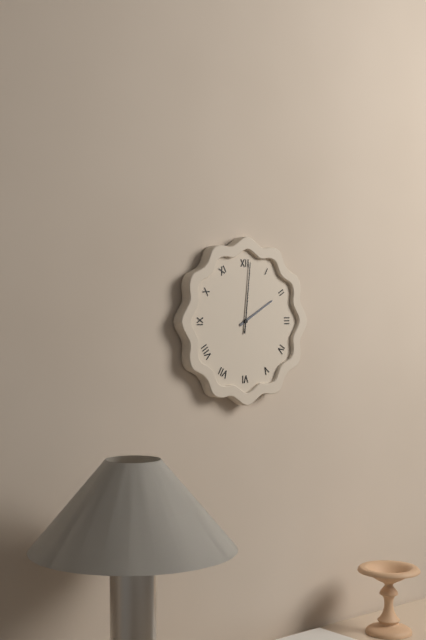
2:01
